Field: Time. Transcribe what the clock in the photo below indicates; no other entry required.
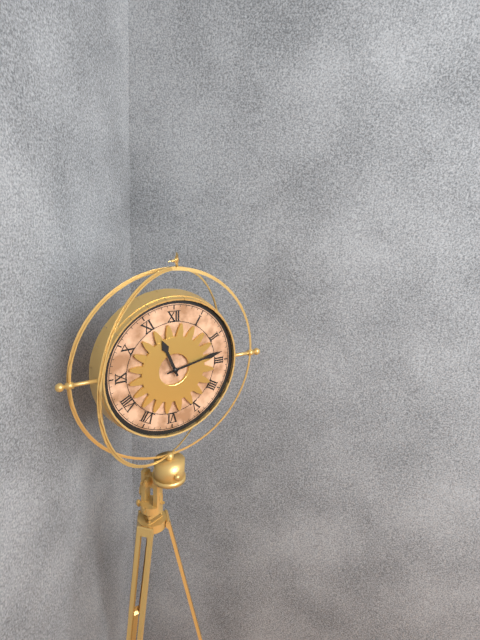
11:13
